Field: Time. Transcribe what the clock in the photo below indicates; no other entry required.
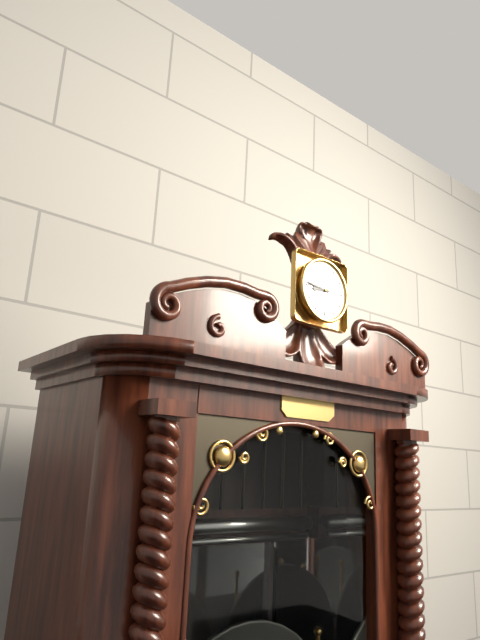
8:46
